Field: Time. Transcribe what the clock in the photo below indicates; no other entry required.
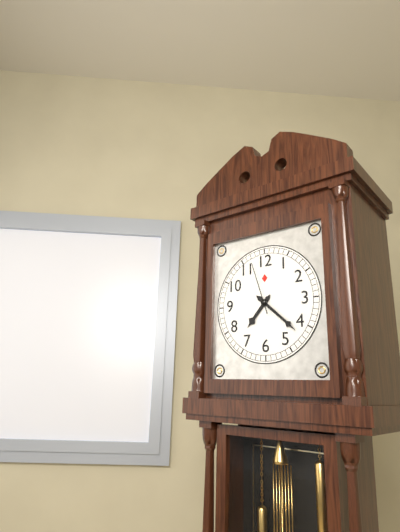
7:22:57
